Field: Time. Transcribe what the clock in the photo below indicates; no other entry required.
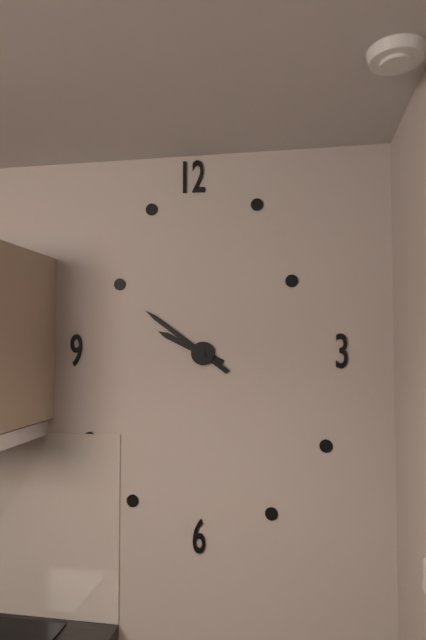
9:51
